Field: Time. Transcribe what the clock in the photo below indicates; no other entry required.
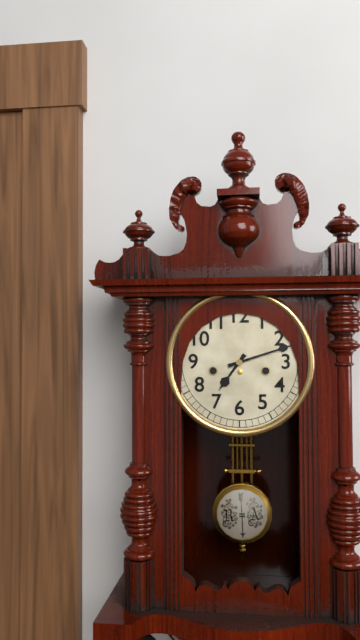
7:12
